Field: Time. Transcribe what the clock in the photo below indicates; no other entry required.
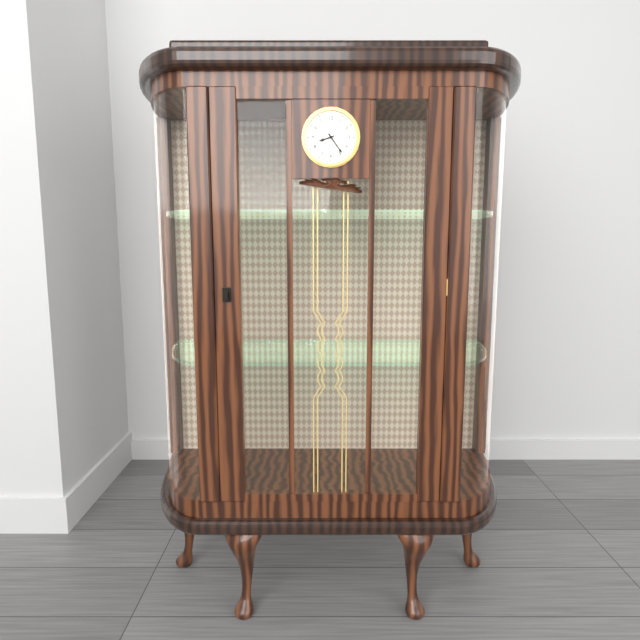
8:24
